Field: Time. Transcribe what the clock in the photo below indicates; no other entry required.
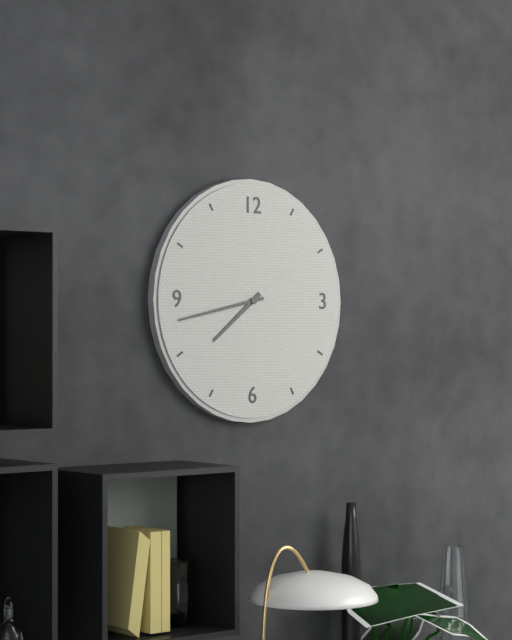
7:43
